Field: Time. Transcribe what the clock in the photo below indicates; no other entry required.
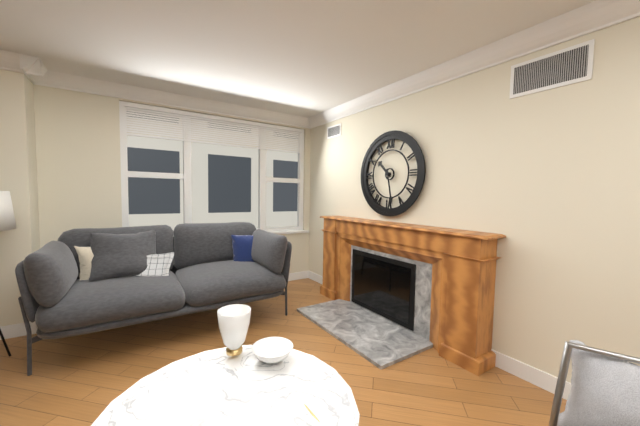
10:28
